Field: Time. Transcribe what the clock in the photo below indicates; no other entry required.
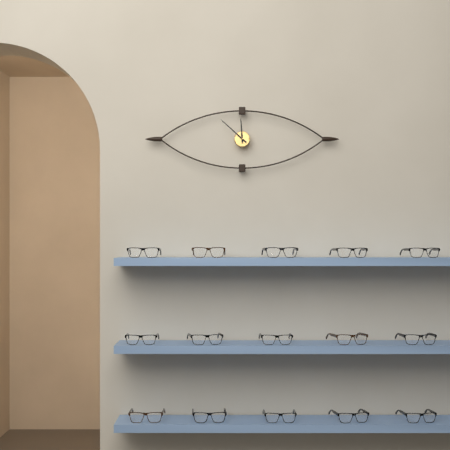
11:52
